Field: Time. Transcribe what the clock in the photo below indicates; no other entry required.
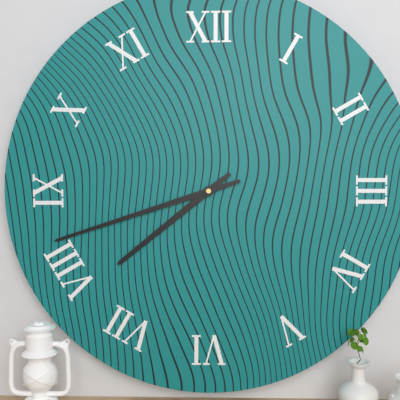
7:42
